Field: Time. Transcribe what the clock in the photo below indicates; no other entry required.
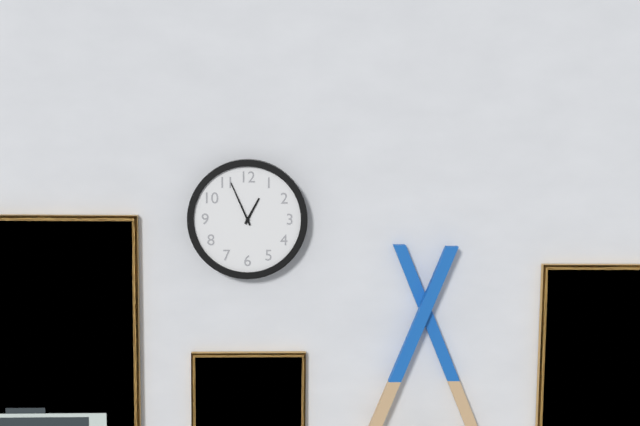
12:56
